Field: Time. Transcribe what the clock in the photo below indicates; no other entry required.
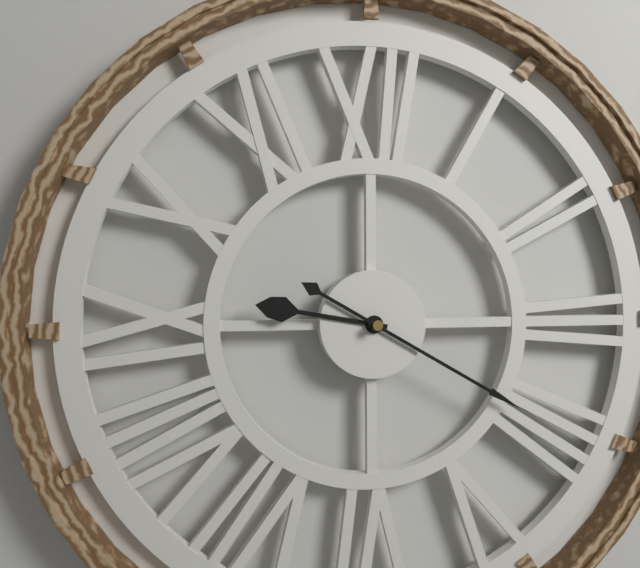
9:20
